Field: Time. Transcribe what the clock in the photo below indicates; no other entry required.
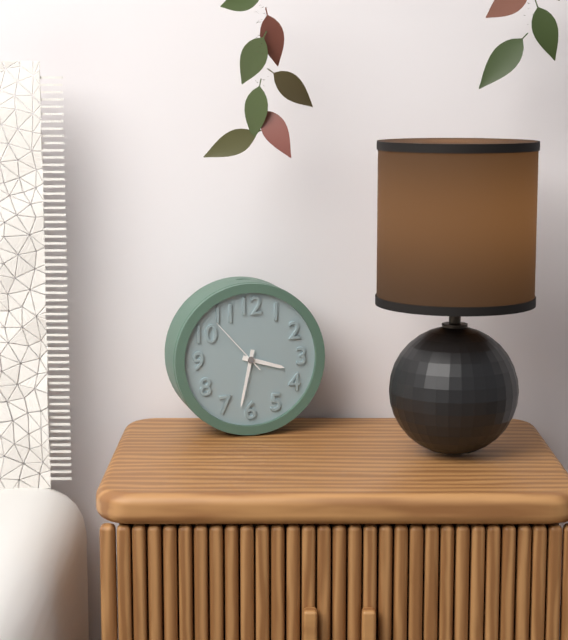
3:32:53
